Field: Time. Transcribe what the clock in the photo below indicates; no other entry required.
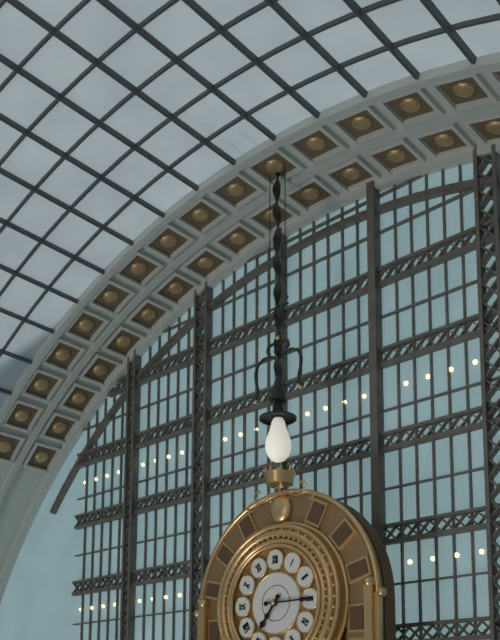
7:15
